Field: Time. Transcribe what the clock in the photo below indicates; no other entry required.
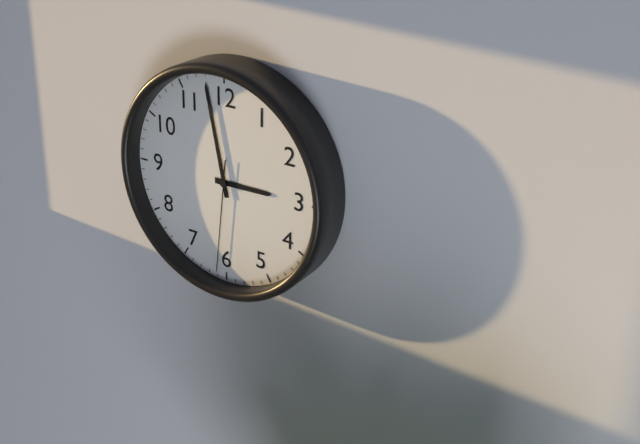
2:58:31
